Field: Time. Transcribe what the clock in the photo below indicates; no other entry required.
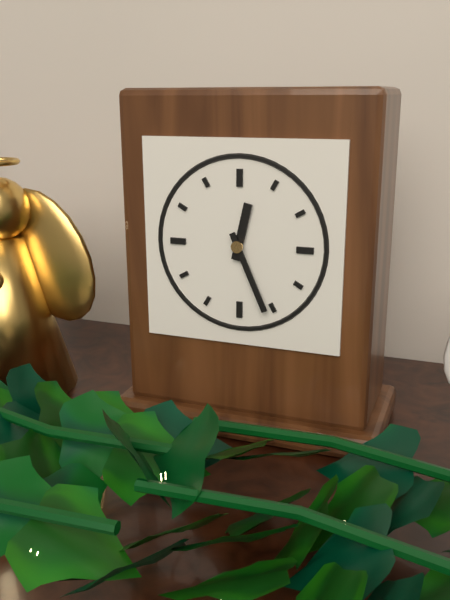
12:26
